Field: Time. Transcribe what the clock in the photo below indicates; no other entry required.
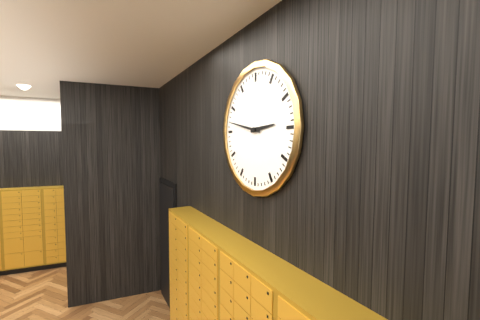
2:47
